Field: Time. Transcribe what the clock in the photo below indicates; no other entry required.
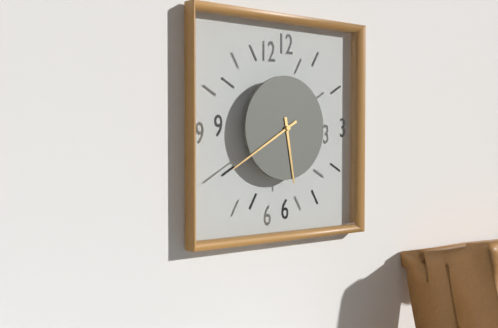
5:40
